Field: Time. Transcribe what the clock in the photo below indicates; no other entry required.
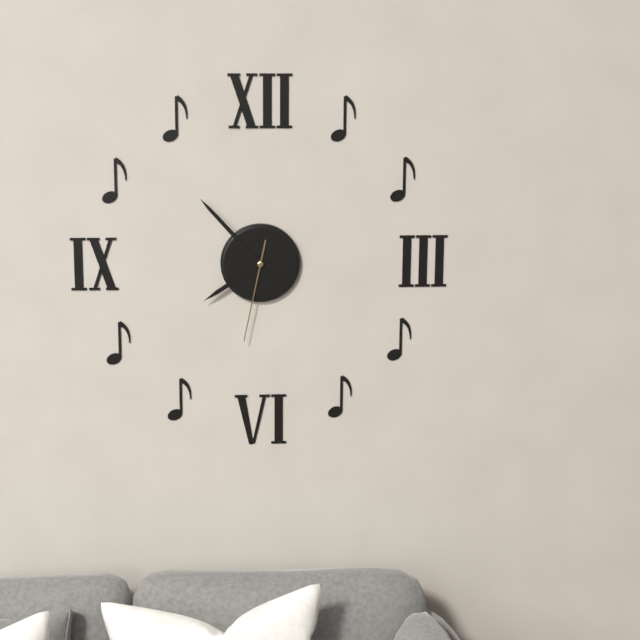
7:53:32
